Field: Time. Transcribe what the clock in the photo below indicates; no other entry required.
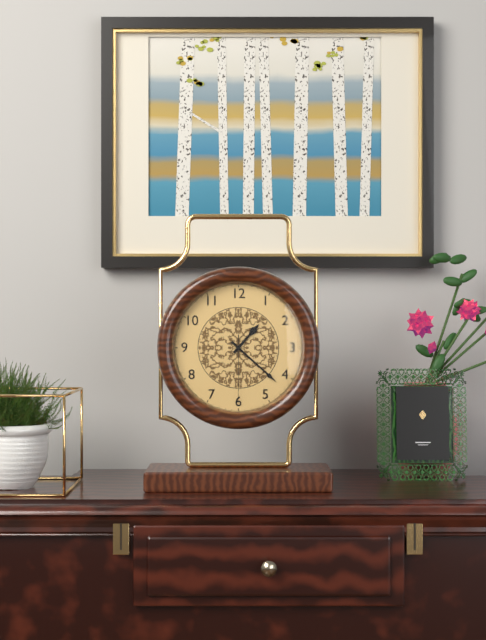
1:22:30
